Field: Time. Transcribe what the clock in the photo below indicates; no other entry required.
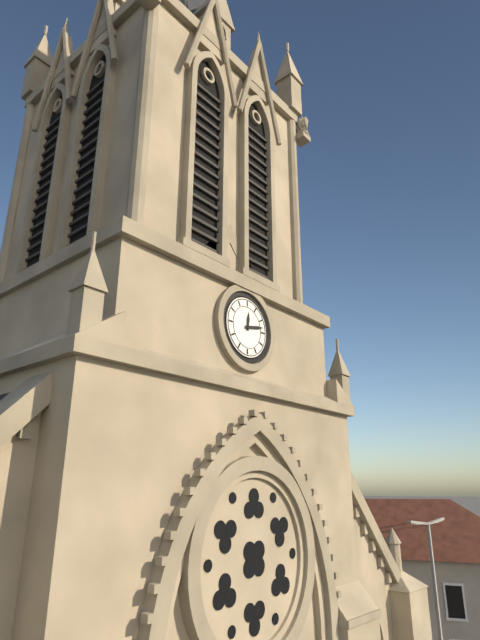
12:13
